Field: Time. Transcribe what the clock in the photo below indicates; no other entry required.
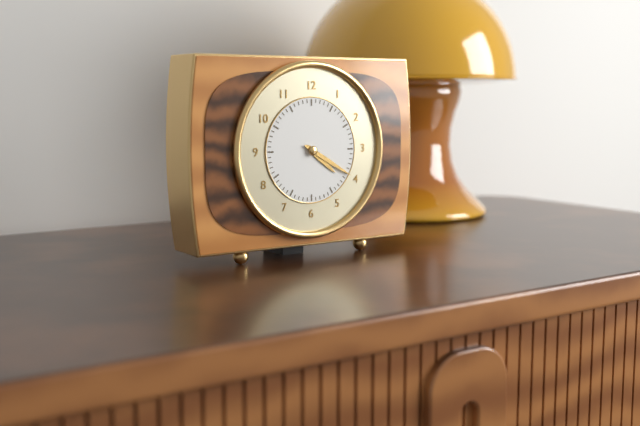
4:20
